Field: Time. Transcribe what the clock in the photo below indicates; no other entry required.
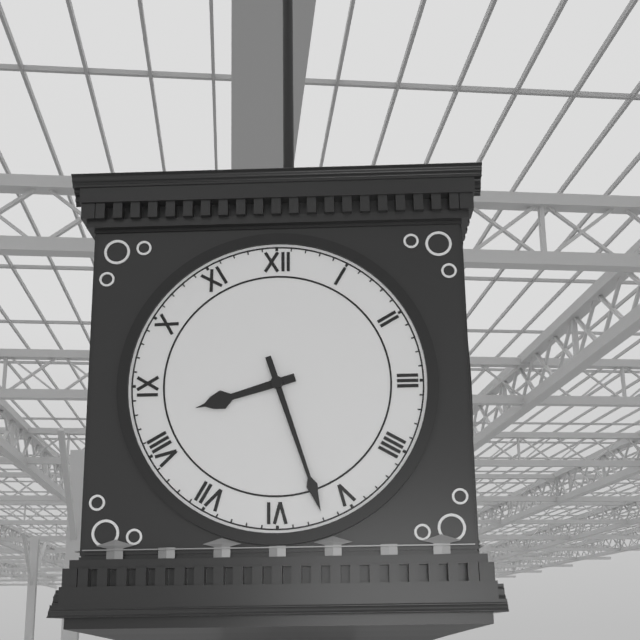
8:27
